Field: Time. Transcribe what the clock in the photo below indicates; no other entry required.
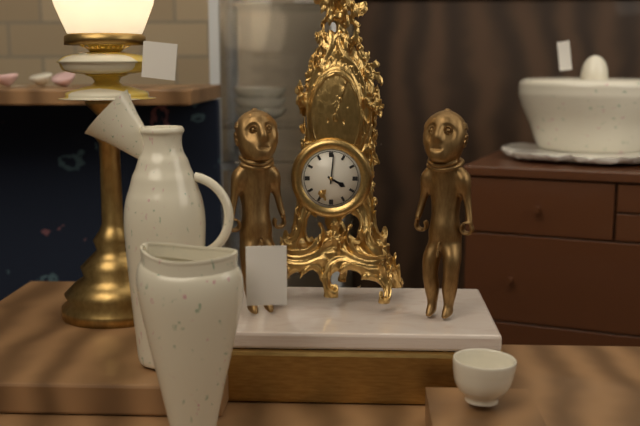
4:01
